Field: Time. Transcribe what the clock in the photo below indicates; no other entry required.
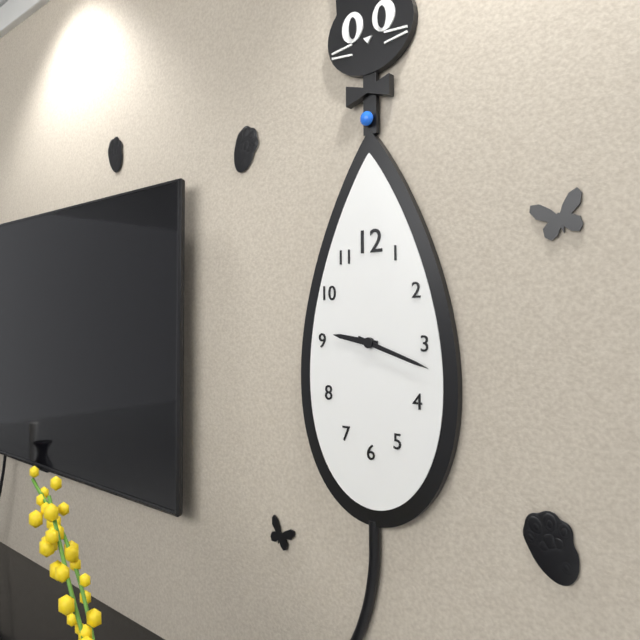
9:18
